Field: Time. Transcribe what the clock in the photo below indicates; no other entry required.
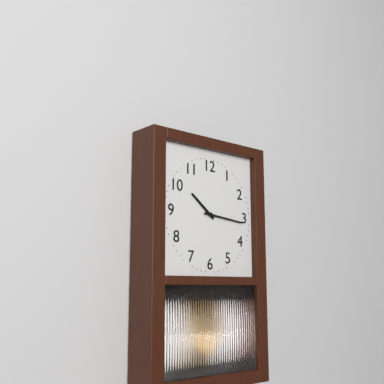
10:16
